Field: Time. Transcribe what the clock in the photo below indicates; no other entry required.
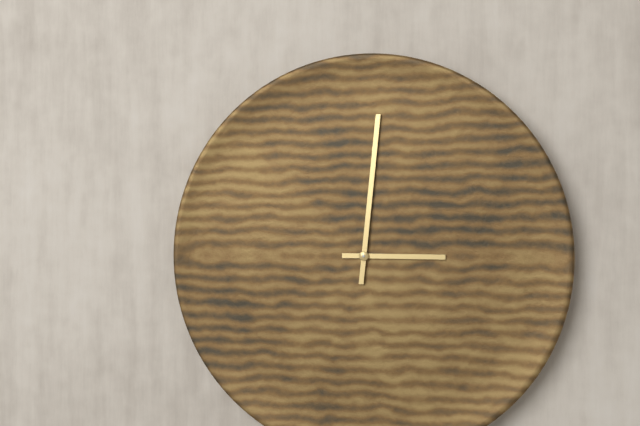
3:01
